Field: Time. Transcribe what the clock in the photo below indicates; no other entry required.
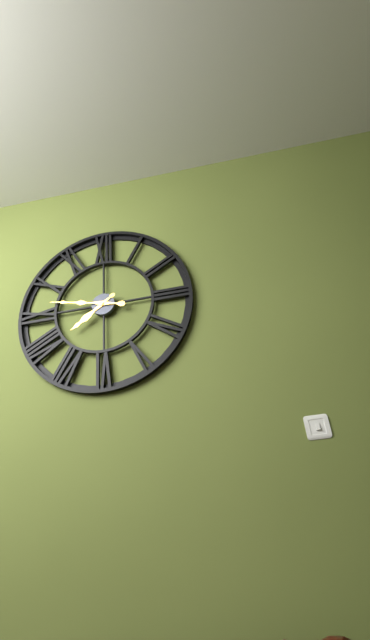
7:47
